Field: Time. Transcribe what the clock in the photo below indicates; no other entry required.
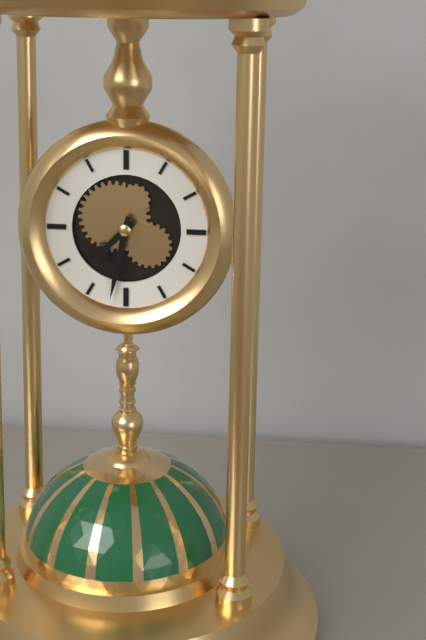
7:32
